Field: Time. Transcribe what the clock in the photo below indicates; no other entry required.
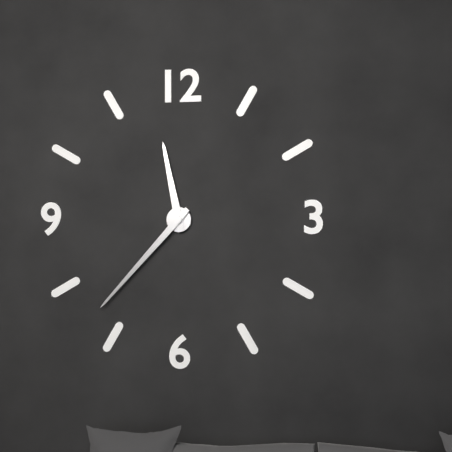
11:37
